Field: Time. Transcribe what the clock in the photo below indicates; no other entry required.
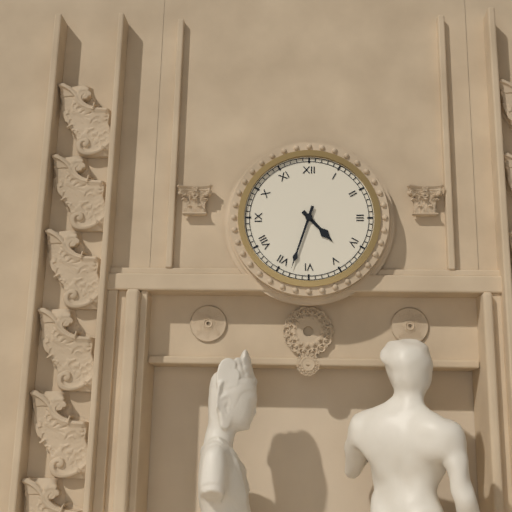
4:33
